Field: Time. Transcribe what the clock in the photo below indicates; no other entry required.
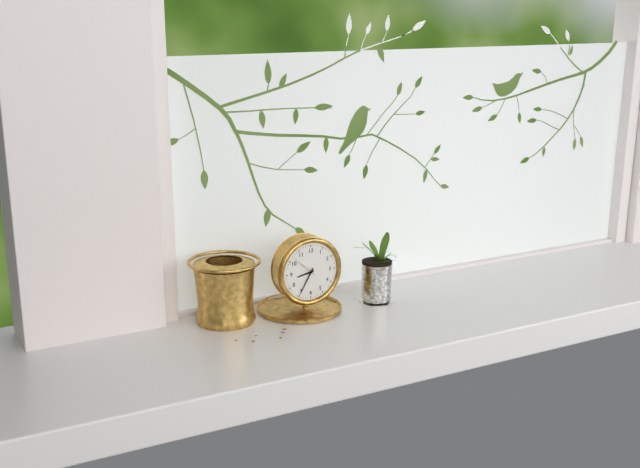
8:35
